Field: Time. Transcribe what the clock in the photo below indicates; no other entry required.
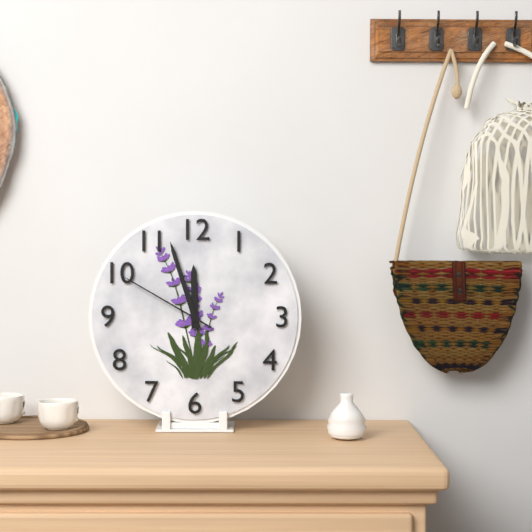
11:57:50
